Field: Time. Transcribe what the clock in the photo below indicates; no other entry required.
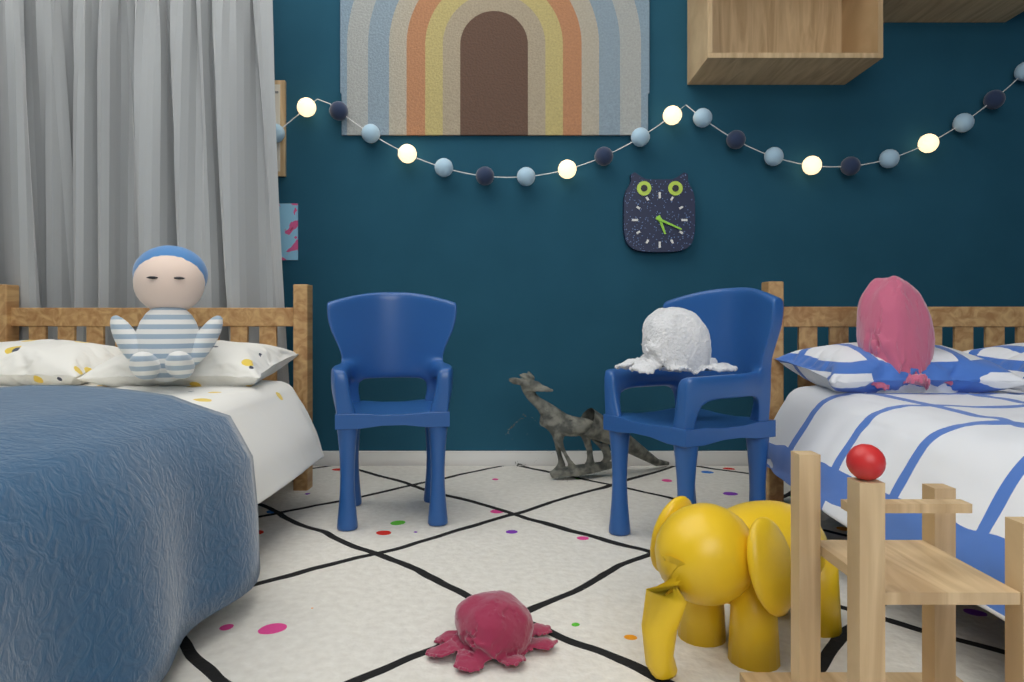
5:19
